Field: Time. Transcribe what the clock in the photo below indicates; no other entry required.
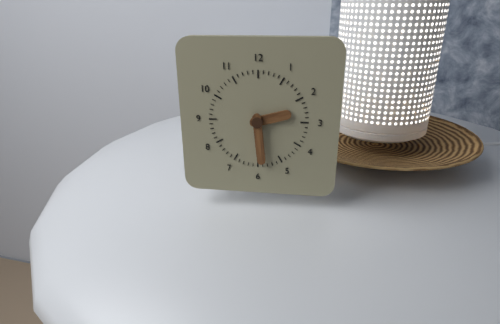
2:29
